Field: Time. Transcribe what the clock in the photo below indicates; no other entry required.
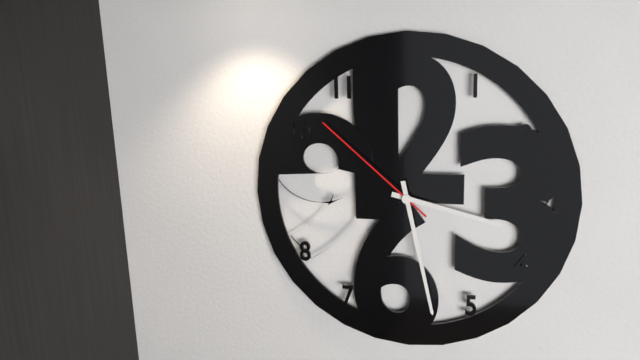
3:28:52
